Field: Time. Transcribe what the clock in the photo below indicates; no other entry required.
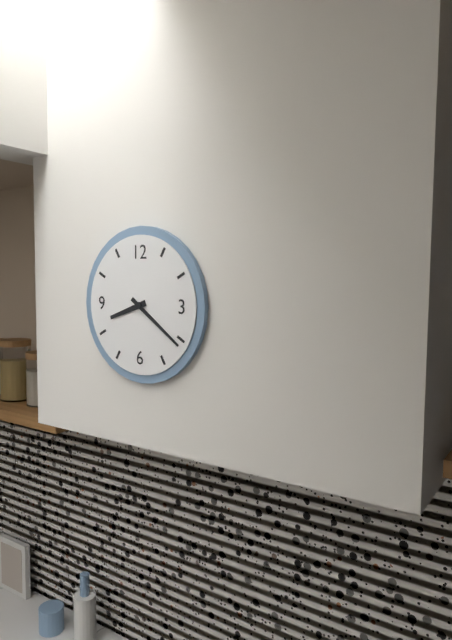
8:21
